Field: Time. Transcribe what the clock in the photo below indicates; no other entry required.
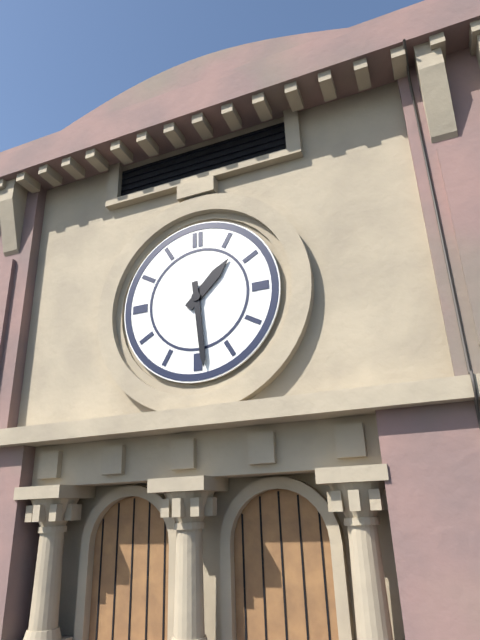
1:29
